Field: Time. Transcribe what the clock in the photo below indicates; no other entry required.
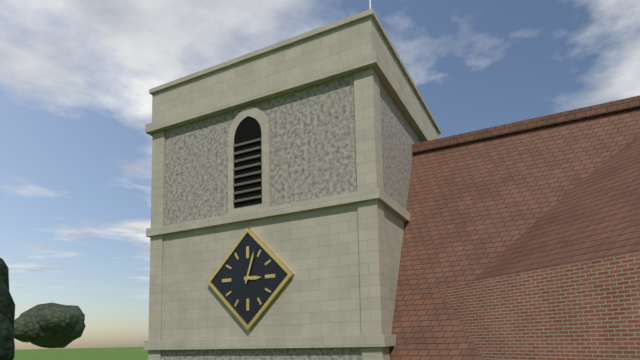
3:03
